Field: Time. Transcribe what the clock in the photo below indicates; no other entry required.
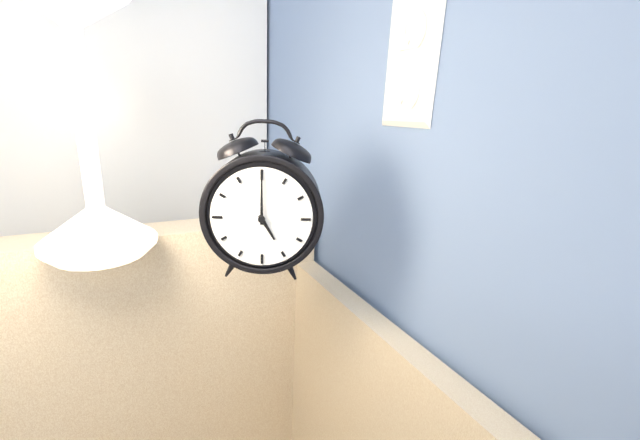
5:00
